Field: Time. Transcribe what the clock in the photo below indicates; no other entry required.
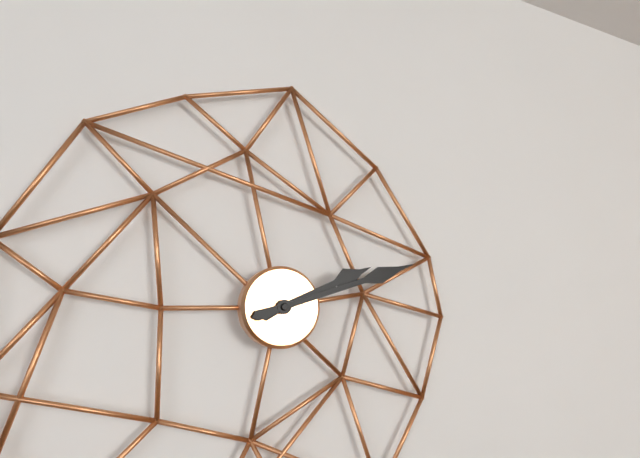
2:12
